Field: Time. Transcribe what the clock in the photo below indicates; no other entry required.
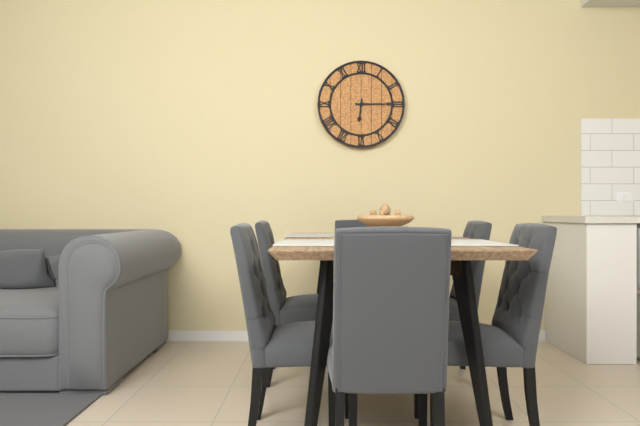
6:15
